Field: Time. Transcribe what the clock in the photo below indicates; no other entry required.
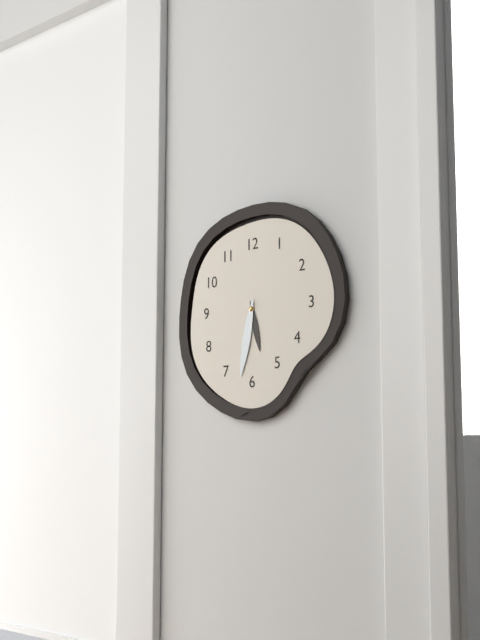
5:32
